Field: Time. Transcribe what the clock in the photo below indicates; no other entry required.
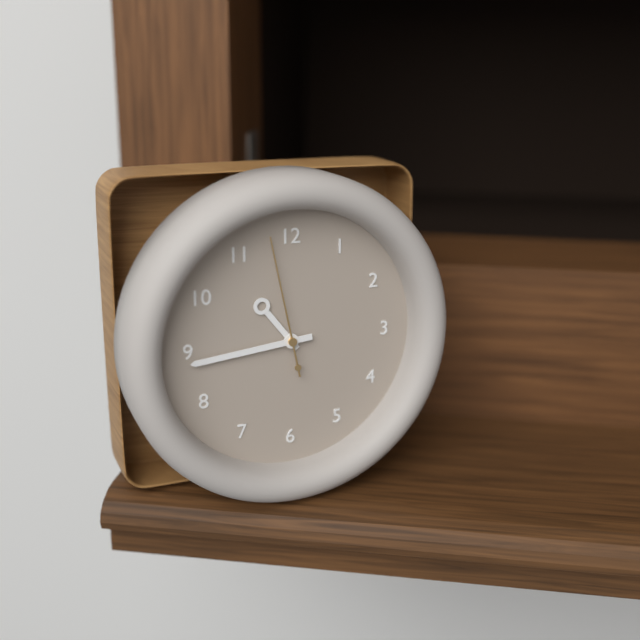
10:44:58
